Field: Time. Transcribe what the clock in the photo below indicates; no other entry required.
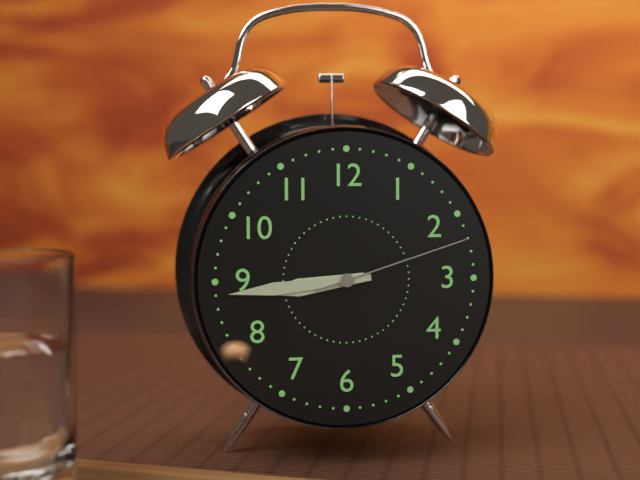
8:44:12
